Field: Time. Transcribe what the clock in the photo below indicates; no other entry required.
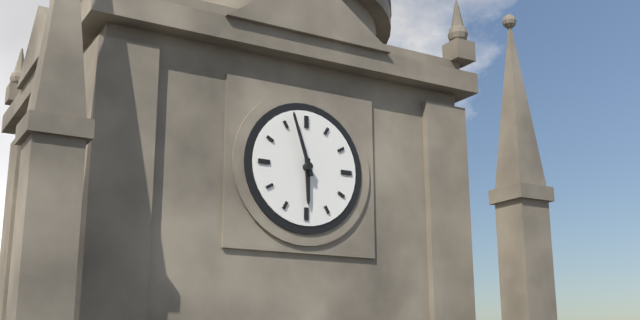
5:57
